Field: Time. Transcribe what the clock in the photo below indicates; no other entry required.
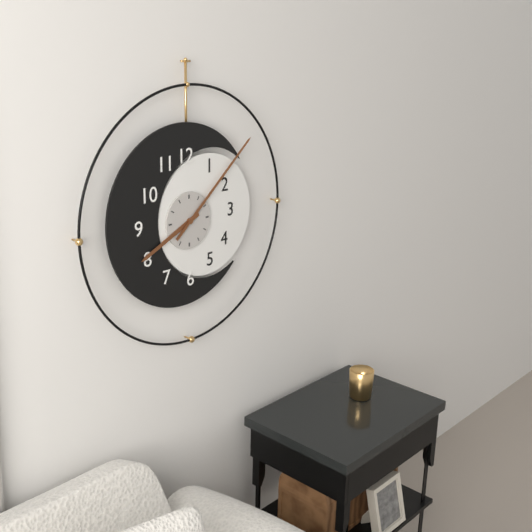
8:08
